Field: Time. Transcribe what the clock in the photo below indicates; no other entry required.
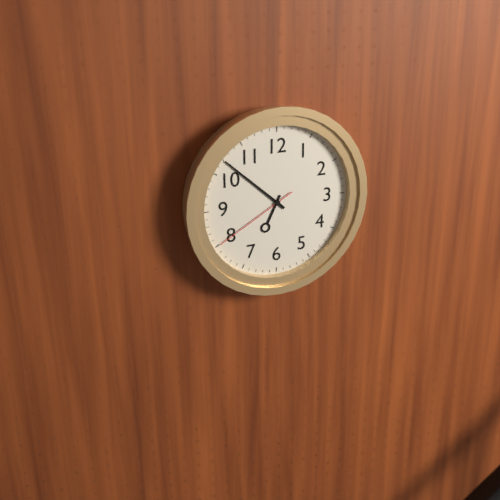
6:52:40
